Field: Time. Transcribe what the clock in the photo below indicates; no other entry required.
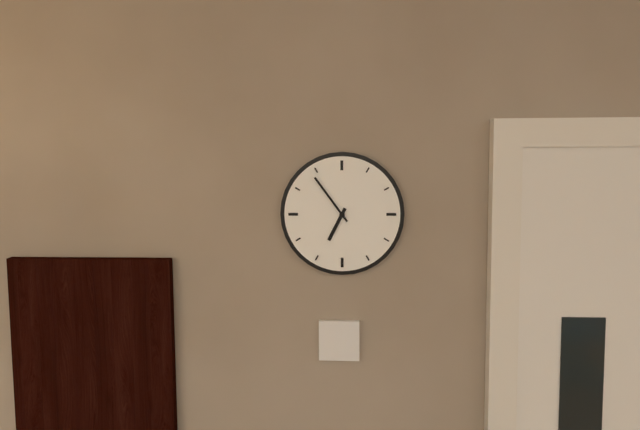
6:54
